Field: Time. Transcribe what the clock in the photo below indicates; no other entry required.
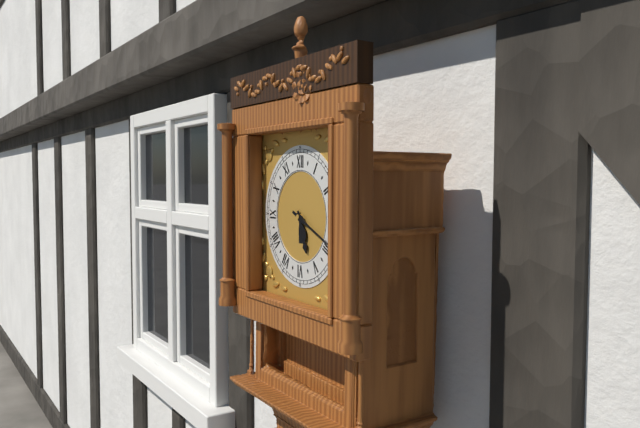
5:19
